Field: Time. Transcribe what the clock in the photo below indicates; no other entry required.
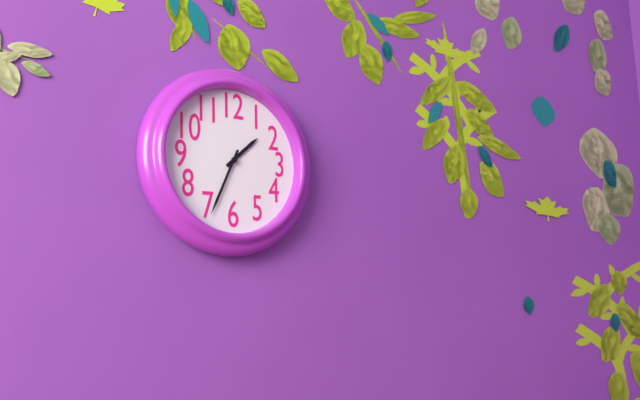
1:34
